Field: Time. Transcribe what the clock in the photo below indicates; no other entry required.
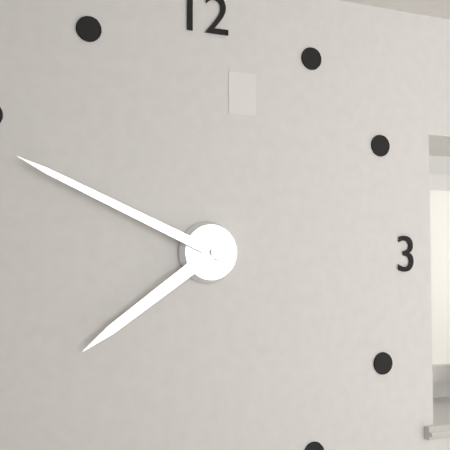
7:49
